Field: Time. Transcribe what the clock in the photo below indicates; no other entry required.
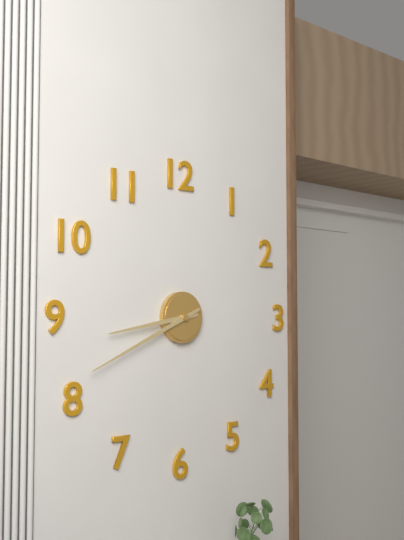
8:41
